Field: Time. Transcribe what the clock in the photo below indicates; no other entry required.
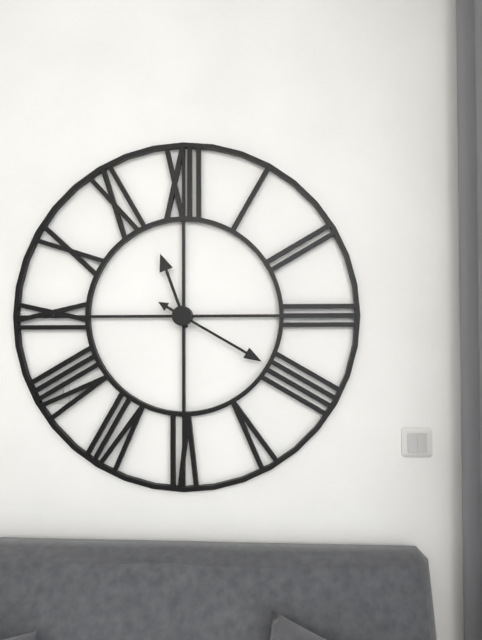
11:20
